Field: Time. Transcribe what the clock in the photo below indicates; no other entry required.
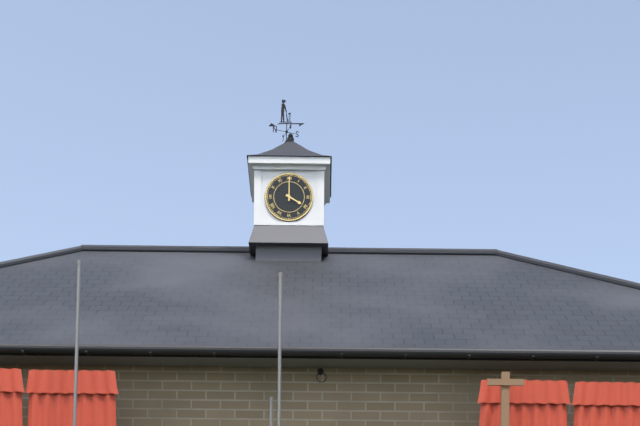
4:00
